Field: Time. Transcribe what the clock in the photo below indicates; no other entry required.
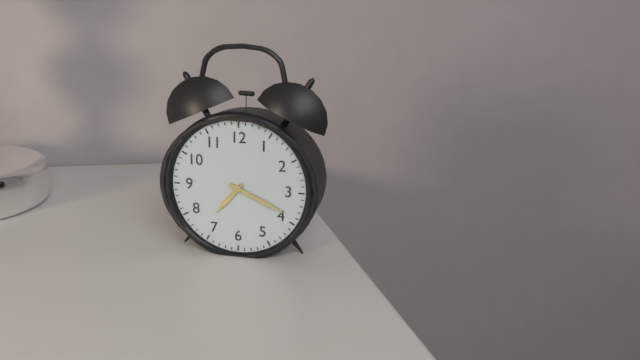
7:19
